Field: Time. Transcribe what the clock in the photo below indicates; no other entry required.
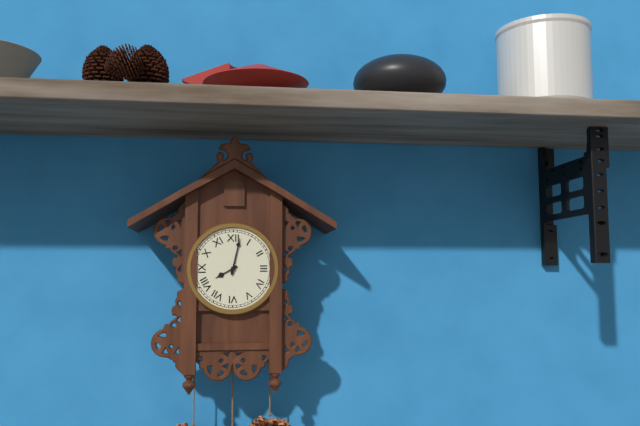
8:02
